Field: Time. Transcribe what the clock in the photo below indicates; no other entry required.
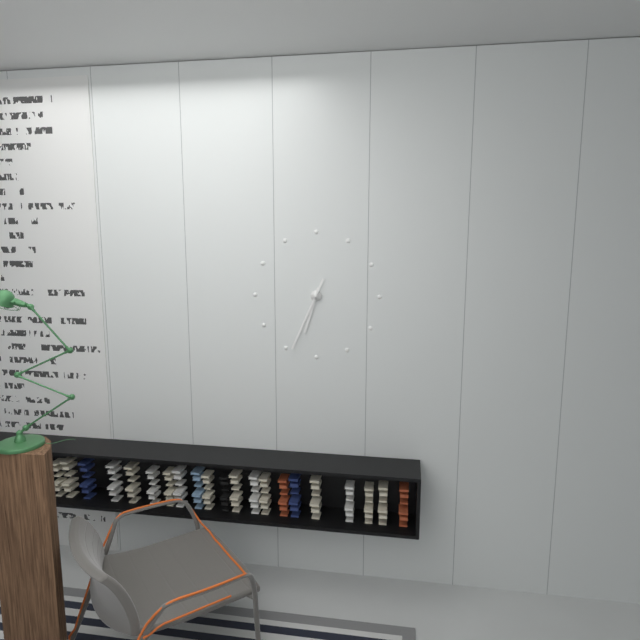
6:34
